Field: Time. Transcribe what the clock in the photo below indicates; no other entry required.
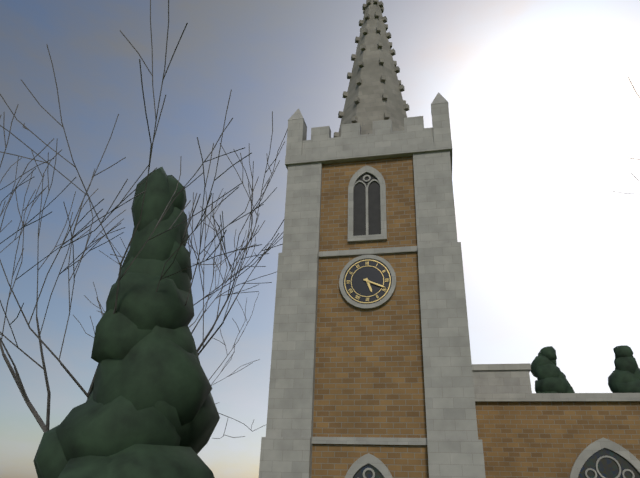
5:19
